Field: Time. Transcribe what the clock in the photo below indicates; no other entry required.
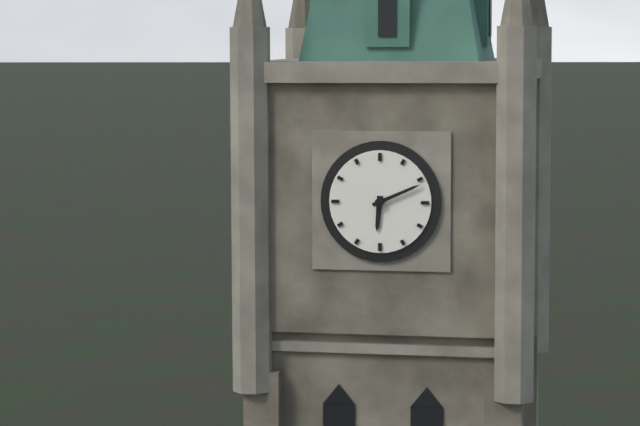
6:11
